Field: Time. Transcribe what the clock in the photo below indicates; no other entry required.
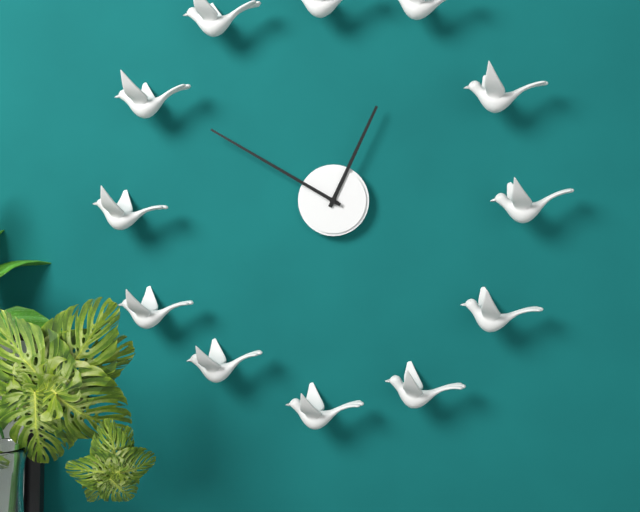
12:50
